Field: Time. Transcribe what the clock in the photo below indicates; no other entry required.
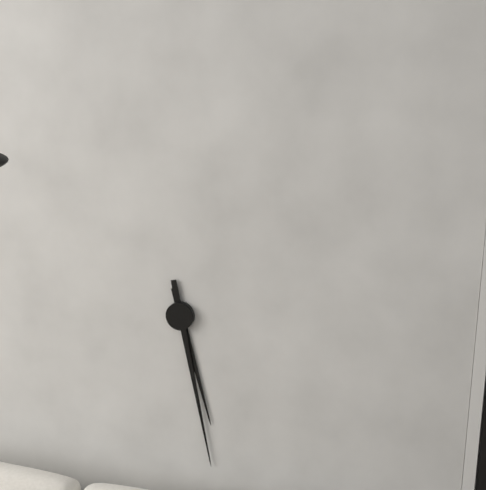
5:28
